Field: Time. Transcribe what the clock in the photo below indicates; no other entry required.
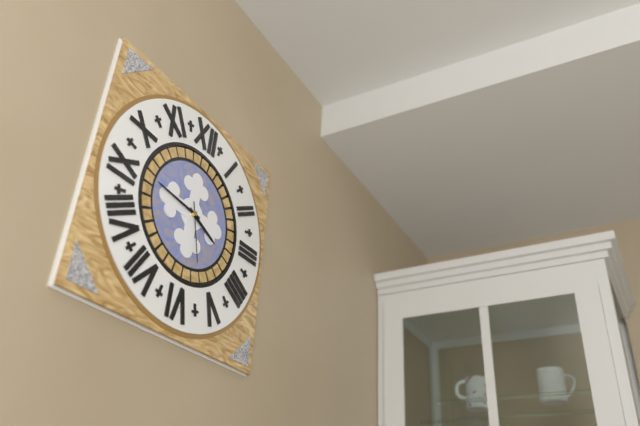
3:46:27
